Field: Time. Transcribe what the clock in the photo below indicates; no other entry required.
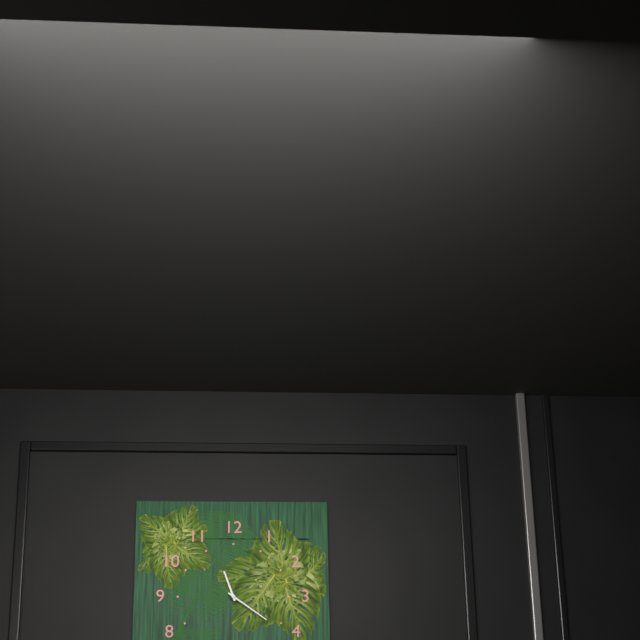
11:21
